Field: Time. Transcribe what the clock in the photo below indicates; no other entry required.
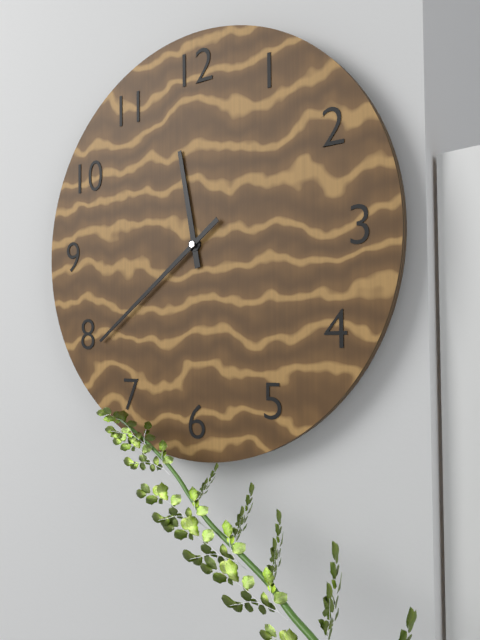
11:39
